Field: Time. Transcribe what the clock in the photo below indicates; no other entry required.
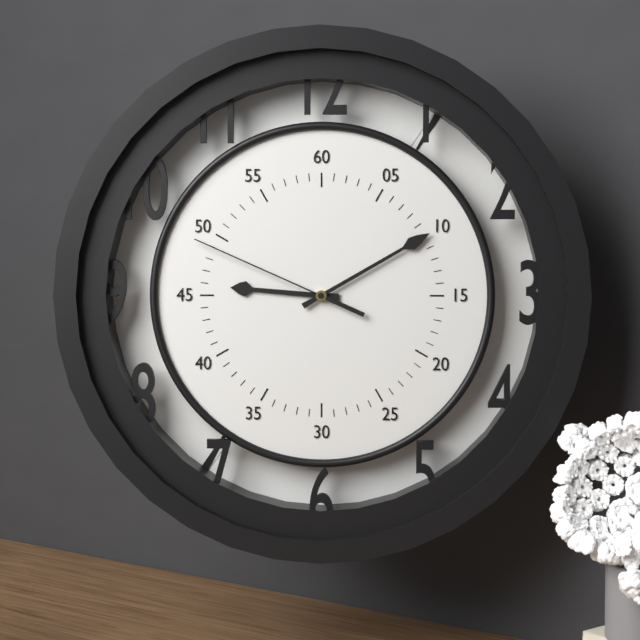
9:10:49
